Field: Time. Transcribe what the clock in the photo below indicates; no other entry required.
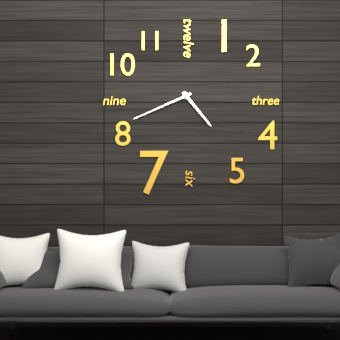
4:41
